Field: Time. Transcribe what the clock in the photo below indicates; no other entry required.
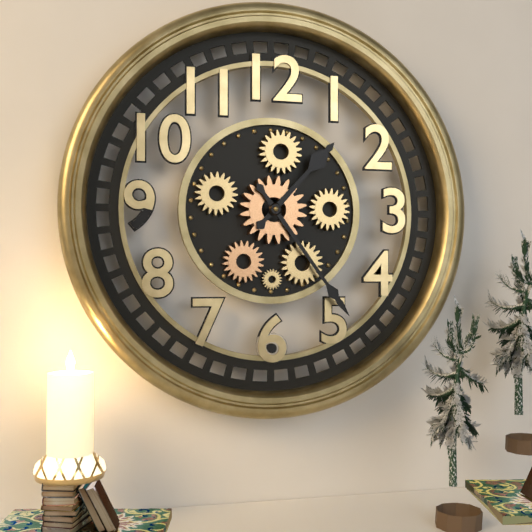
1:24
